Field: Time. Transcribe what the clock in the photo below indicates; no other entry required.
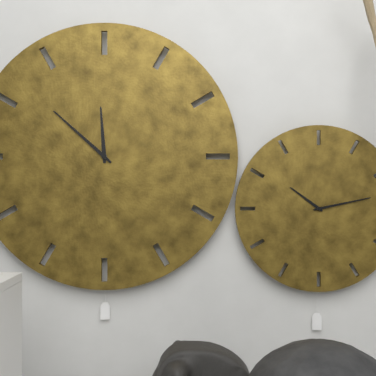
11:52
